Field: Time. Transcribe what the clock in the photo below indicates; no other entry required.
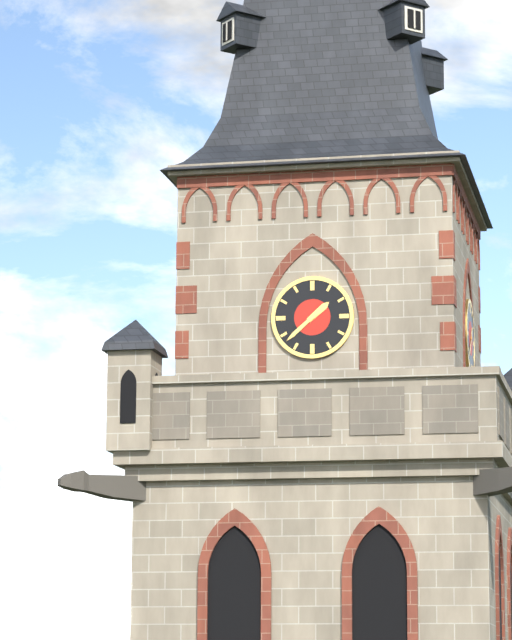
1:38
